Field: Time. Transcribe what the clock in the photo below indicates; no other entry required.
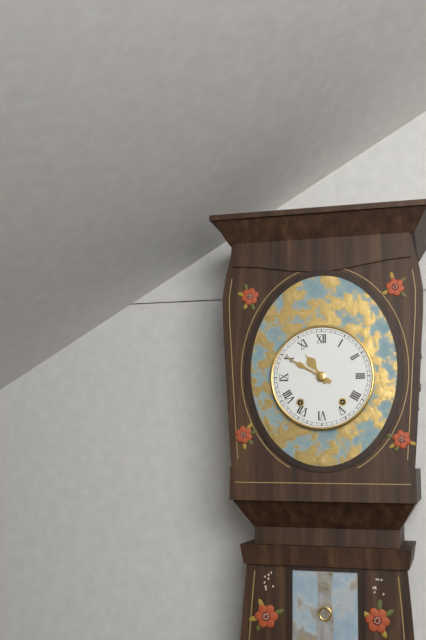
10:50
